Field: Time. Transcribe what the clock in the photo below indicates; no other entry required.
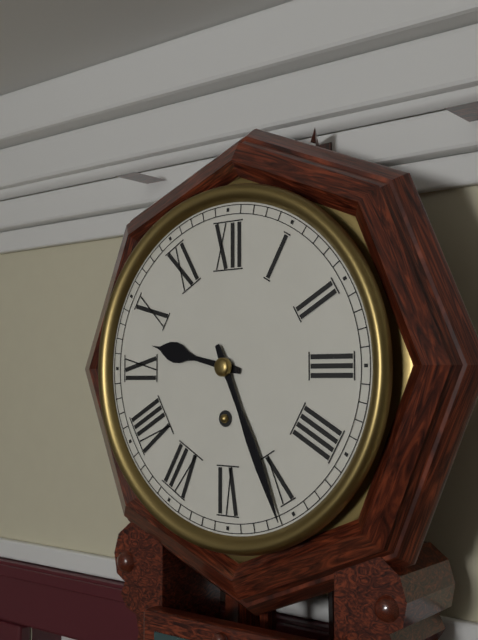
9:26
